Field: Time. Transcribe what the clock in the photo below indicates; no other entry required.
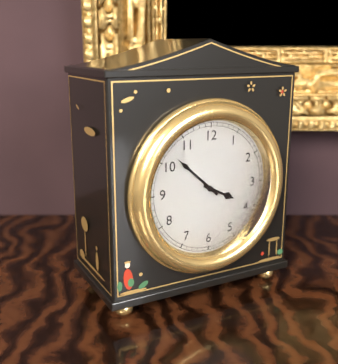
3:52
